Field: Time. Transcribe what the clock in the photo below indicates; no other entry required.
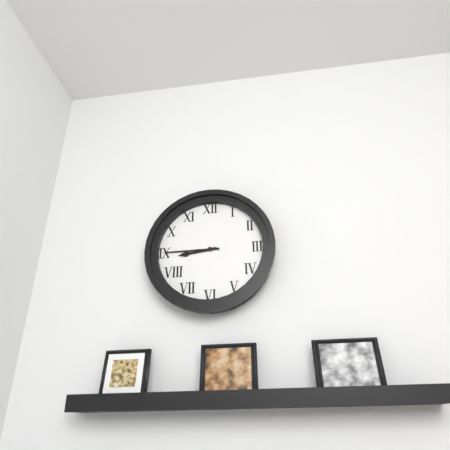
8:45
